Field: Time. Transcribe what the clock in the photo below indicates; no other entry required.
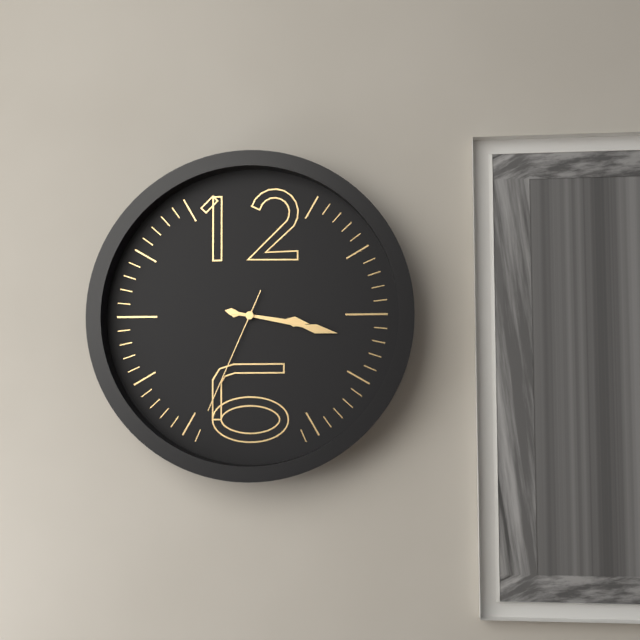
3:17:34
